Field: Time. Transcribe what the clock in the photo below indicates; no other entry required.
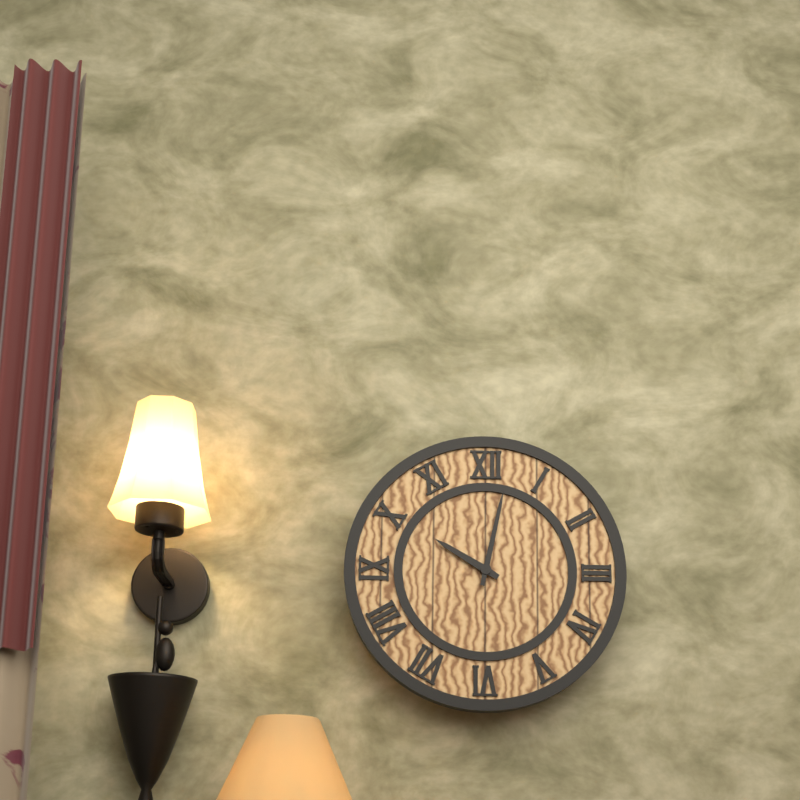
10:02
